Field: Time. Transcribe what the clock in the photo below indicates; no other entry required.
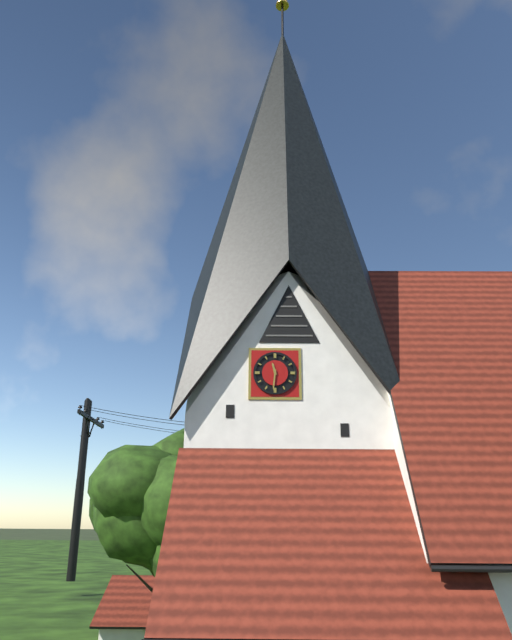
11:31
